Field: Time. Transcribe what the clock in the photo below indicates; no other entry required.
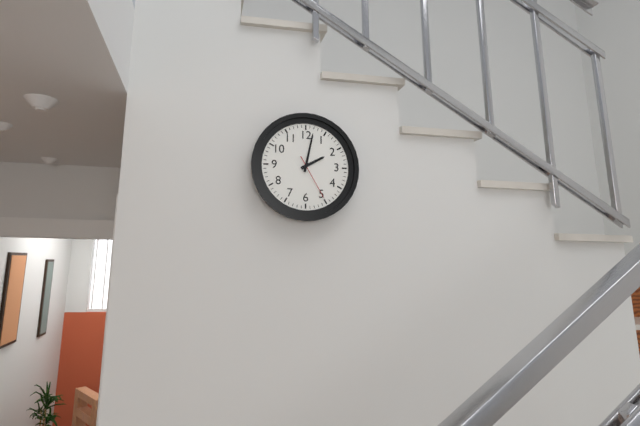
2:02
